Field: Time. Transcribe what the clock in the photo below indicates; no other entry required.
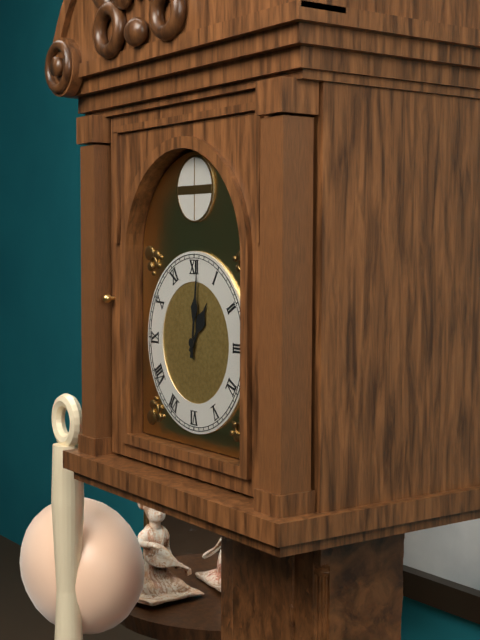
1:01
